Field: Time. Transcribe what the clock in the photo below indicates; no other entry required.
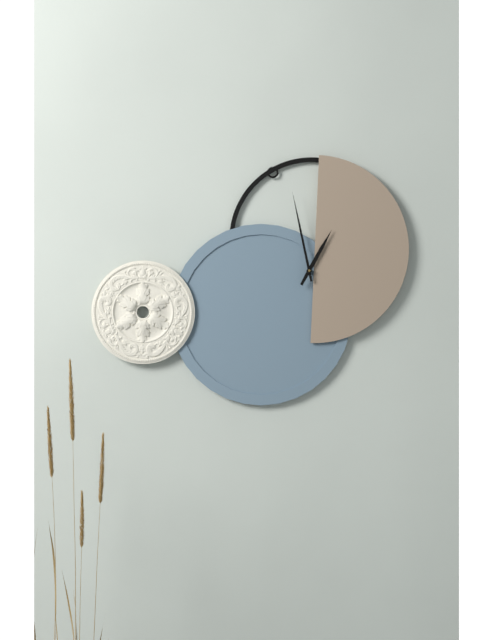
12:58
